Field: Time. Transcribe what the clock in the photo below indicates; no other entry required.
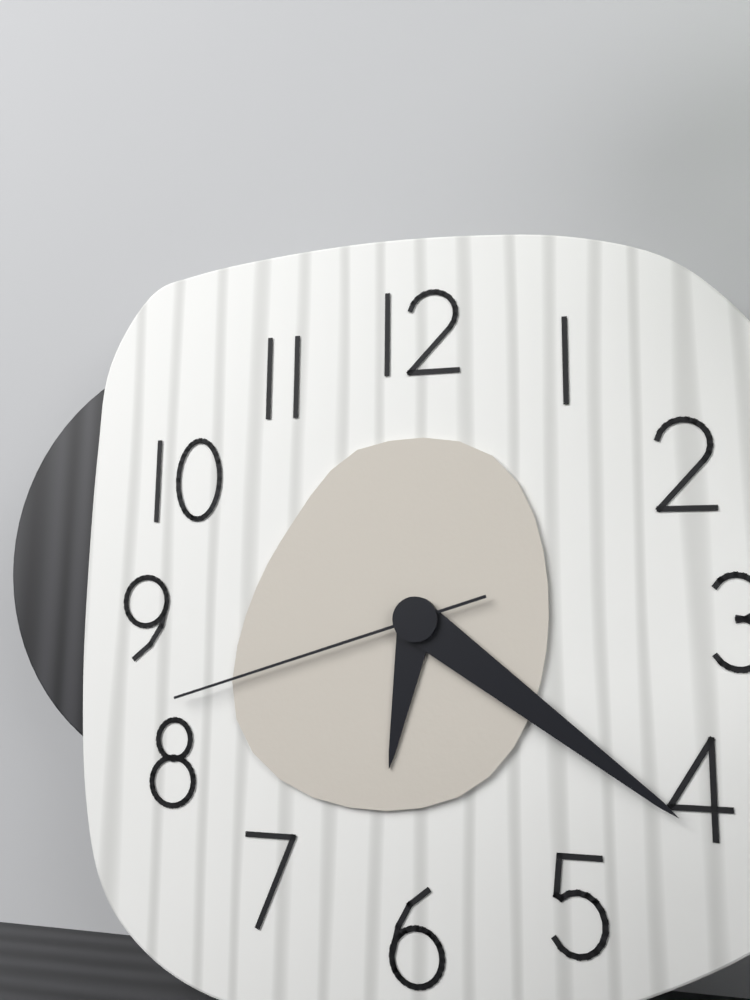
6:21:42
